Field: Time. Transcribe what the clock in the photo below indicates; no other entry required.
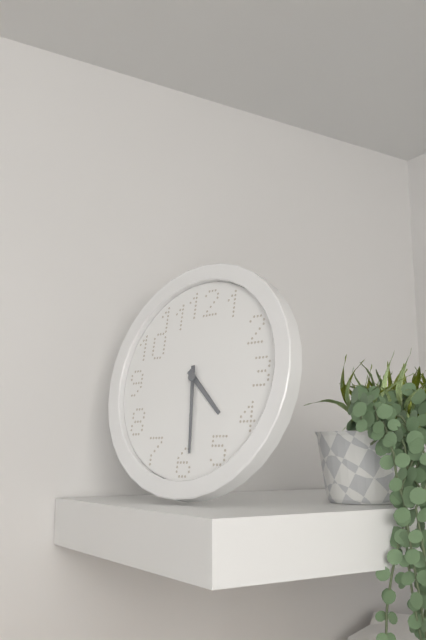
4:29
